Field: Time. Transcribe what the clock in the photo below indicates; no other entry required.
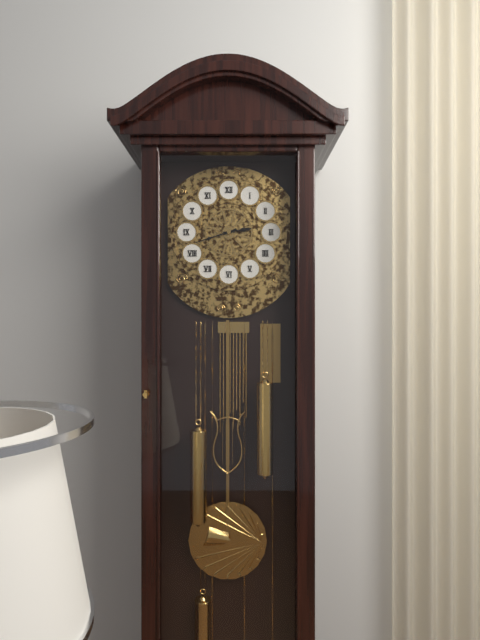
2:42
